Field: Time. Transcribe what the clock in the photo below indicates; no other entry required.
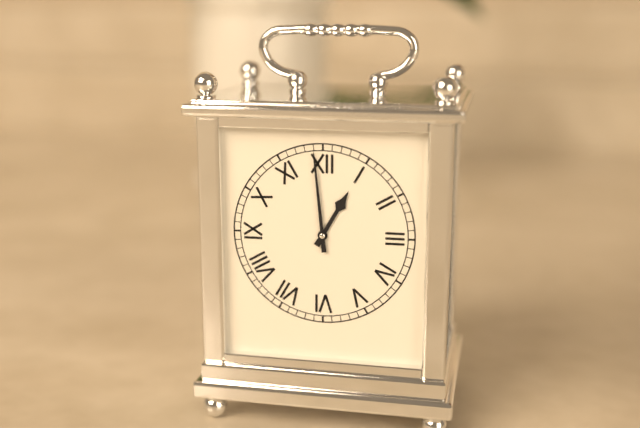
12:59
